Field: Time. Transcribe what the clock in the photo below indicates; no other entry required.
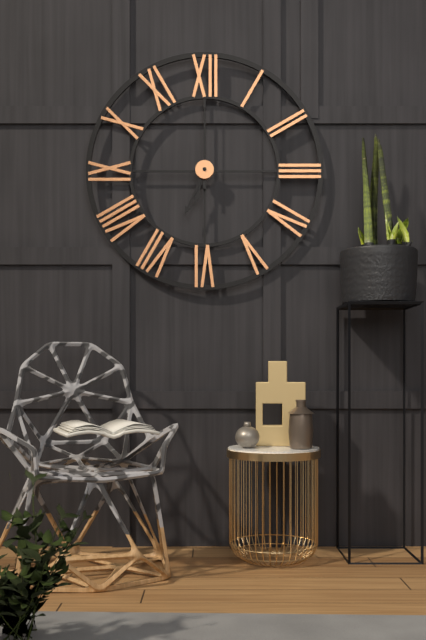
6:34:00
